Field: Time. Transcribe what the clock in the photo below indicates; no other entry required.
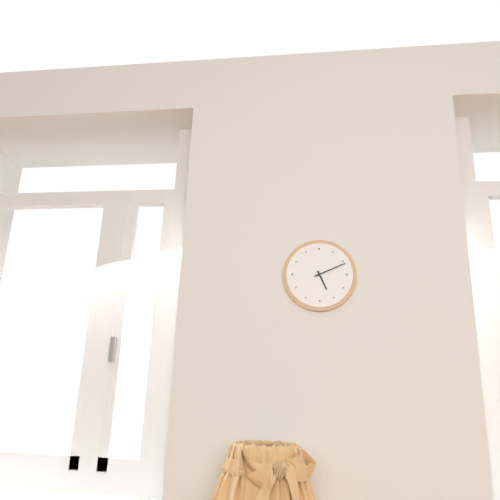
5:11
